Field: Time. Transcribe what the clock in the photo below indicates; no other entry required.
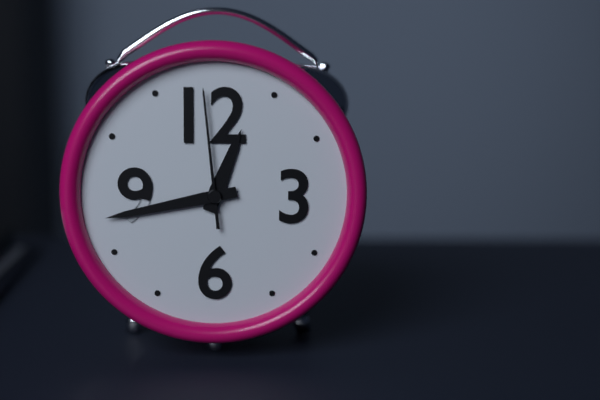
12:43:59
